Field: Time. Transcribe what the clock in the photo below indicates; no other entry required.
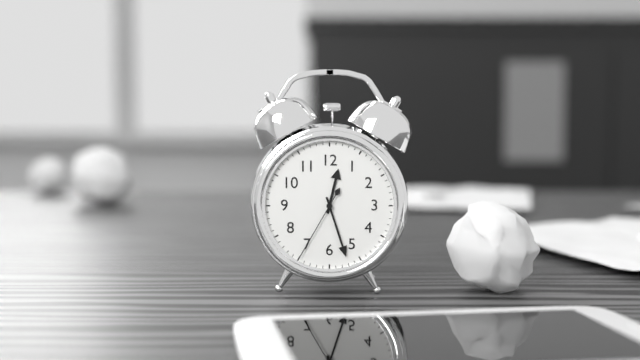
12:27:35
